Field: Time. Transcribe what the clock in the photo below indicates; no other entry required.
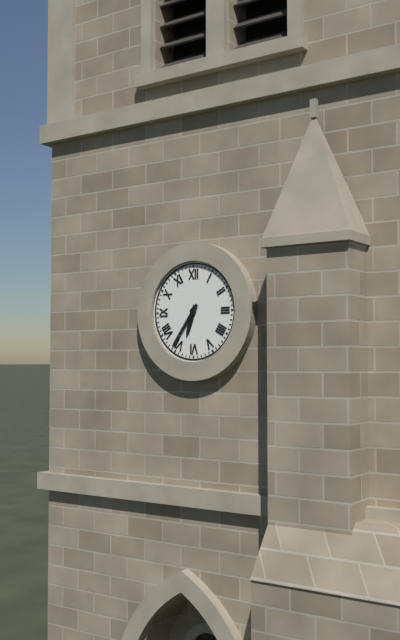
6:36
